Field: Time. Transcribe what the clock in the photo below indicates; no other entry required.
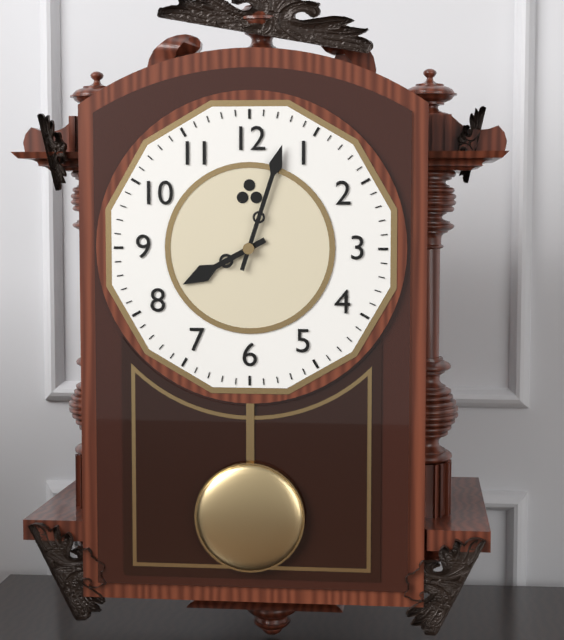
8:03
